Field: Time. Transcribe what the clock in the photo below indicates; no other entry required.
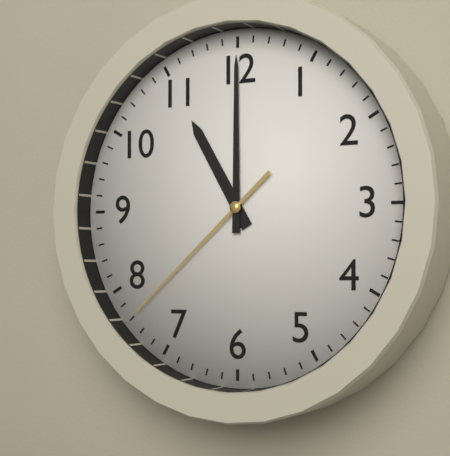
11:00:38
